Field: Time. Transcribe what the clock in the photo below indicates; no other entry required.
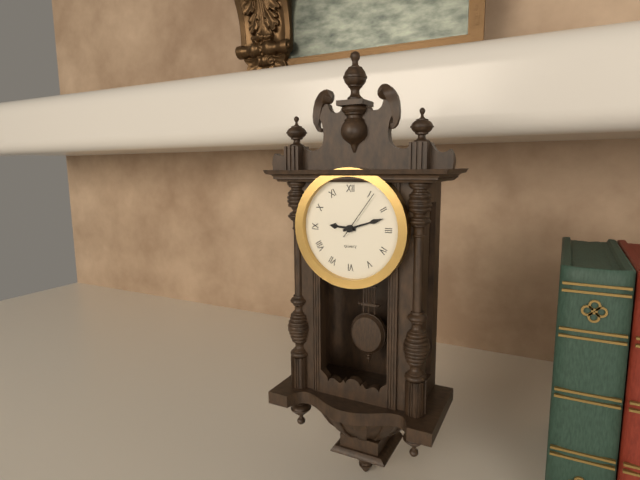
9:12:06
